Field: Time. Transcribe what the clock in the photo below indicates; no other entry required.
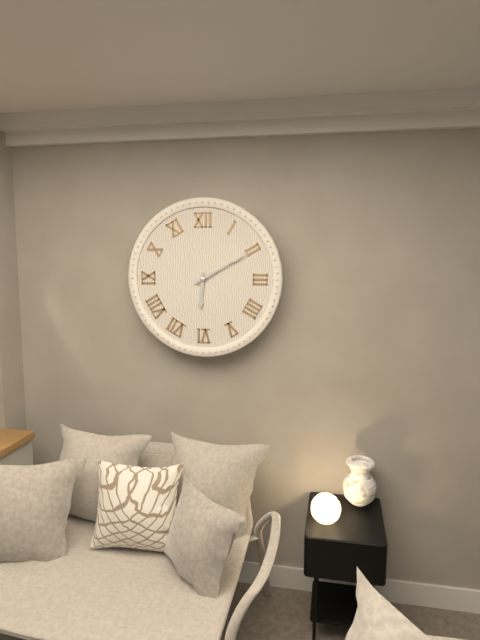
6:10
